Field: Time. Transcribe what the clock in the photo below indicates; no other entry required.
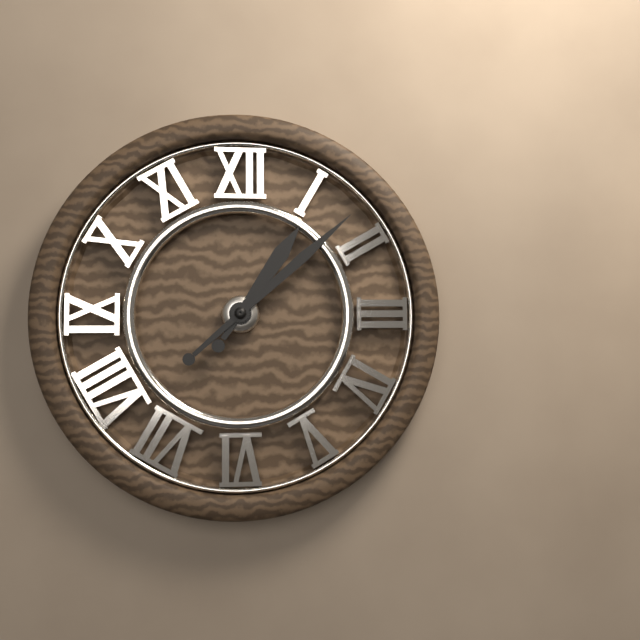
1:08
